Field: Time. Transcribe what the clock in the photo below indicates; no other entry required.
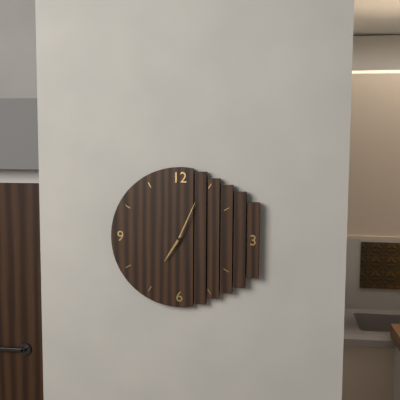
7:04
